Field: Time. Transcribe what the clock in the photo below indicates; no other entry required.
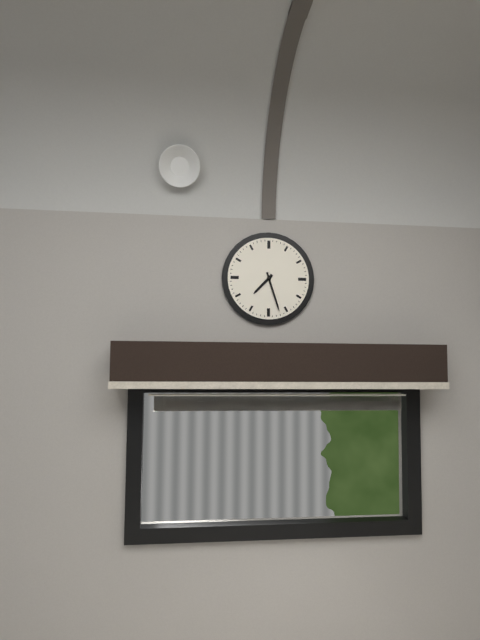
7:27
